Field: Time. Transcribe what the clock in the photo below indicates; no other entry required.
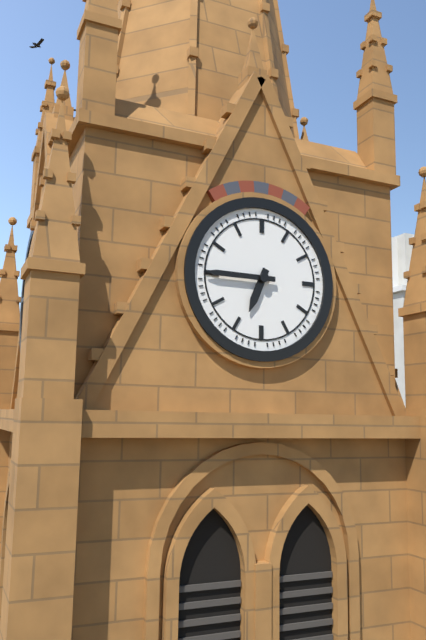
6:45
